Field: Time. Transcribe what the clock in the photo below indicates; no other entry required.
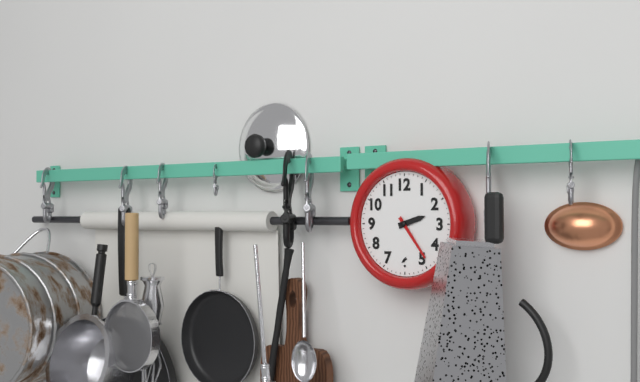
2:24
